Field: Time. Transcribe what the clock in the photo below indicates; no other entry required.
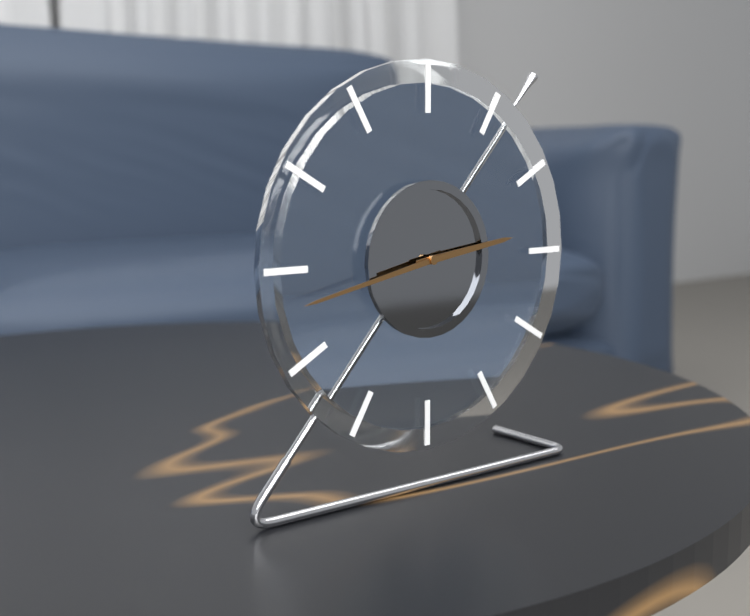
2:43
